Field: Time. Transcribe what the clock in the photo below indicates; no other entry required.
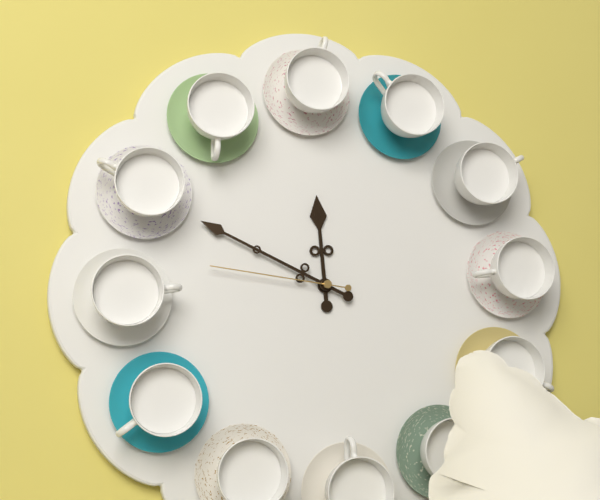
11:49:46
